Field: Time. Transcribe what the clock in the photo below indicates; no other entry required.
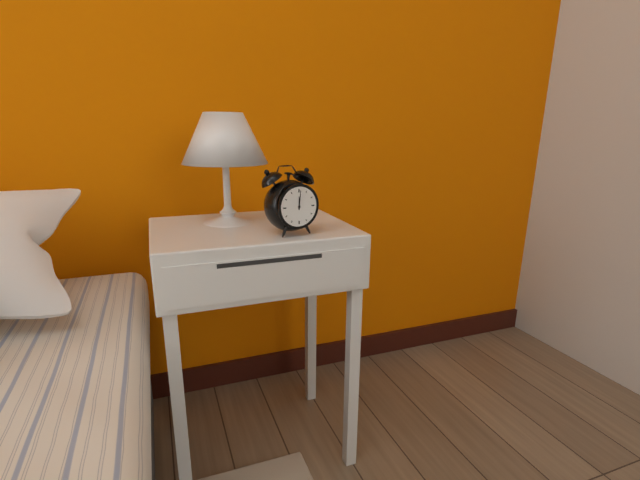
12:01
